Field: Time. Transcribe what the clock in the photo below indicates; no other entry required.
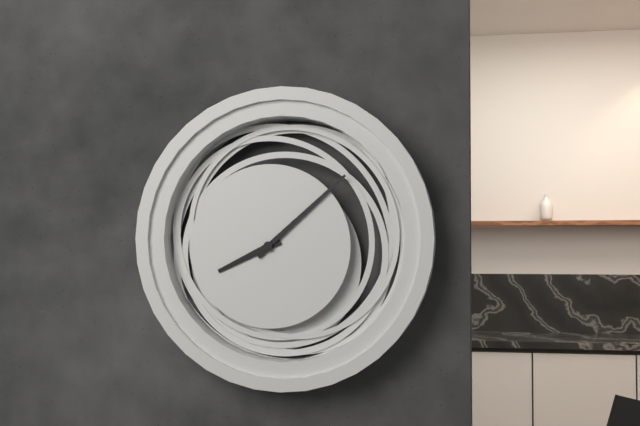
8:08
